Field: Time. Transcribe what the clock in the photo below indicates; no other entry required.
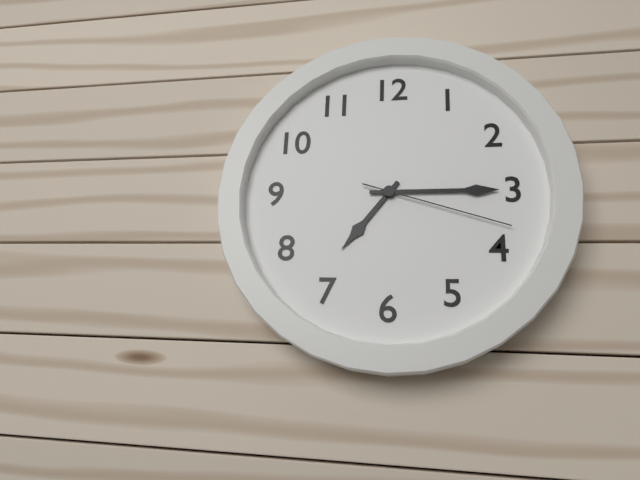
7:15:18
